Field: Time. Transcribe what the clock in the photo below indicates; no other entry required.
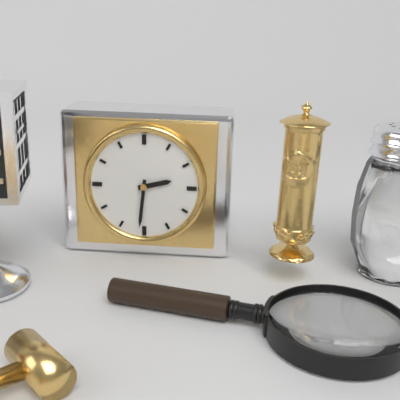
2:31
